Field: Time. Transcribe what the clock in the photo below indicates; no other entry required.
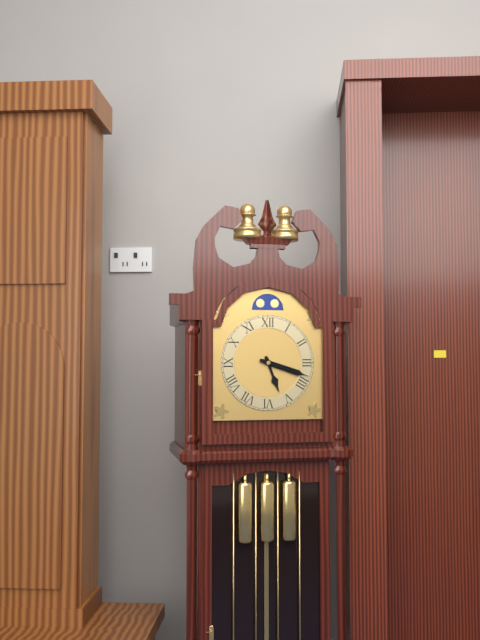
5:18
